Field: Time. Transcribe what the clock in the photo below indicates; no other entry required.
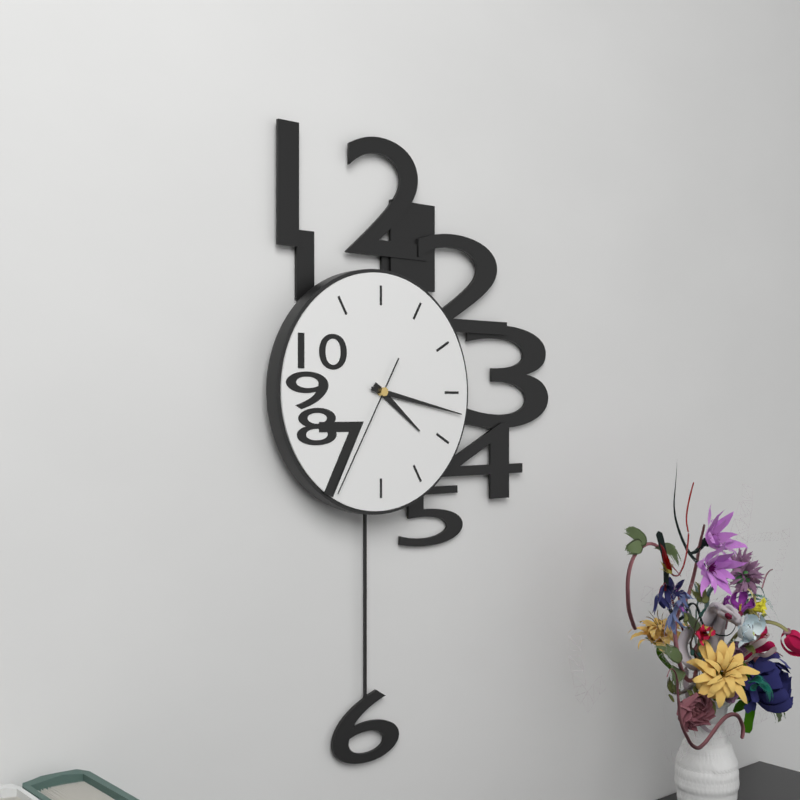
4:17:35
